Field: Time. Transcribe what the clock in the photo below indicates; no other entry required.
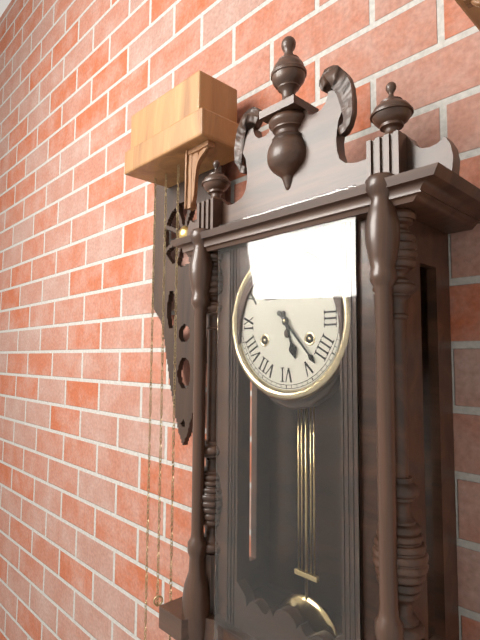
5:23
